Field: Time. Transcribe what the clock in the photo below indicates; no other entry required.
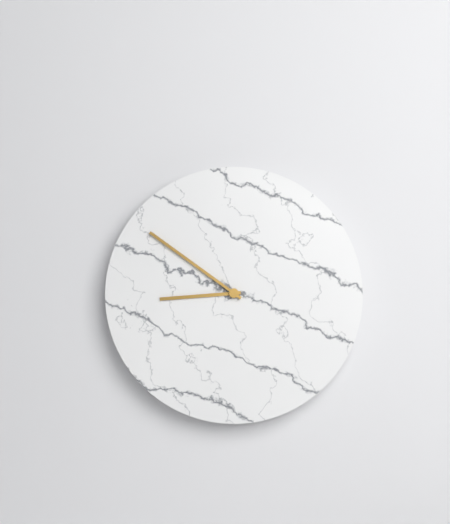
8:51
